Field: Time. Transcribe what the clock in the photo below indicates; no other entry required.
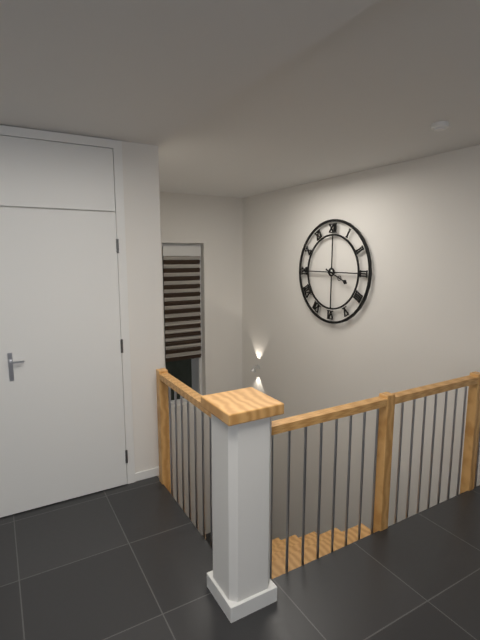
3:45
